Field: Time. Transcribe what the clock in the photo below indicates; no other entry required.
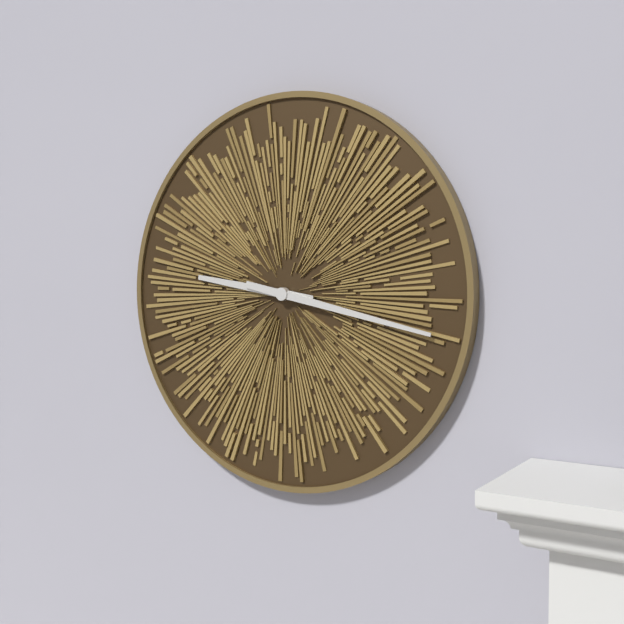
9:17
